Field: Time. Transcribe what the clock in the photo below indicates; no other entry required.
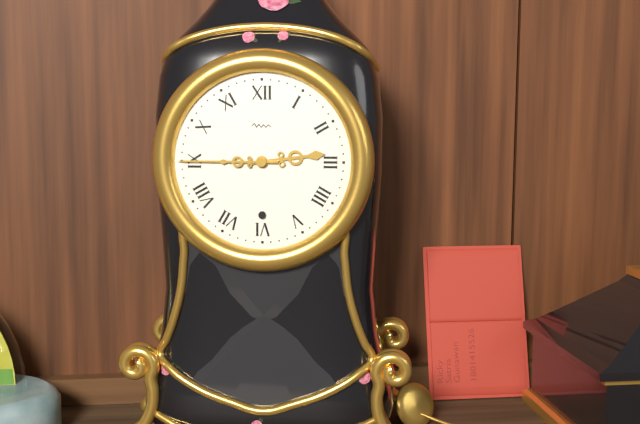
2:45
